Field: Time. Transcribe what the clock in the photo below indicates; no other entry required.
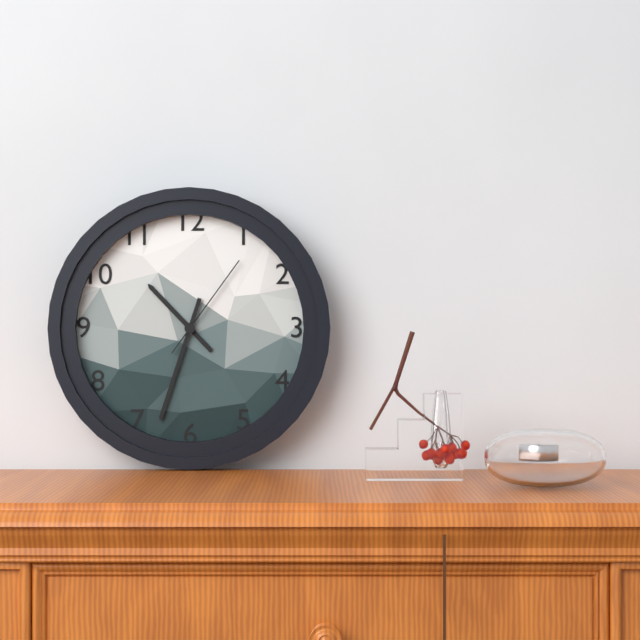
10:33:06
